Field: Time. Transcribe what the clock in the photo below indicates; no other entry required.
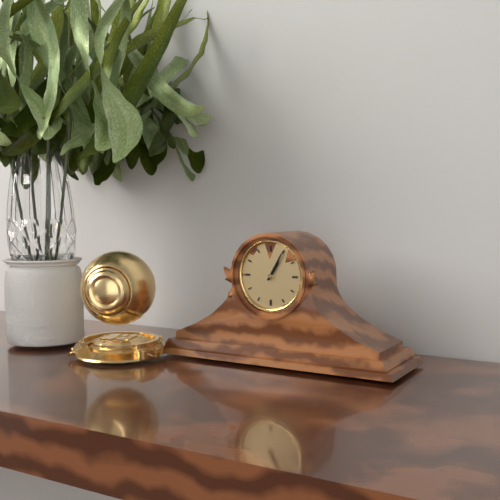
1:05
